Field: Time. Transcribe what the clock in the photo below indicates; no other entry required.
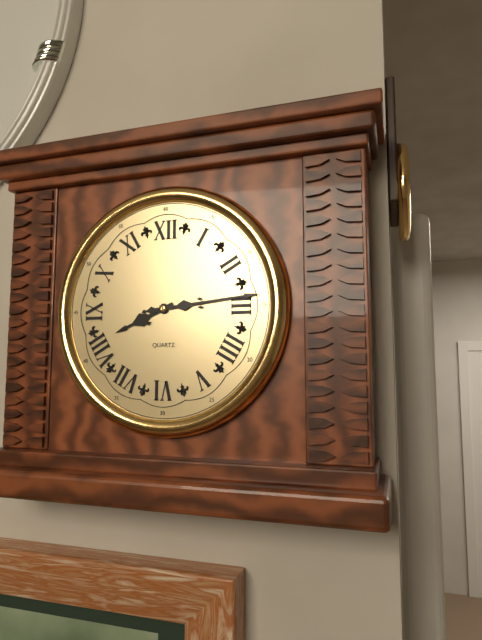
8:14
